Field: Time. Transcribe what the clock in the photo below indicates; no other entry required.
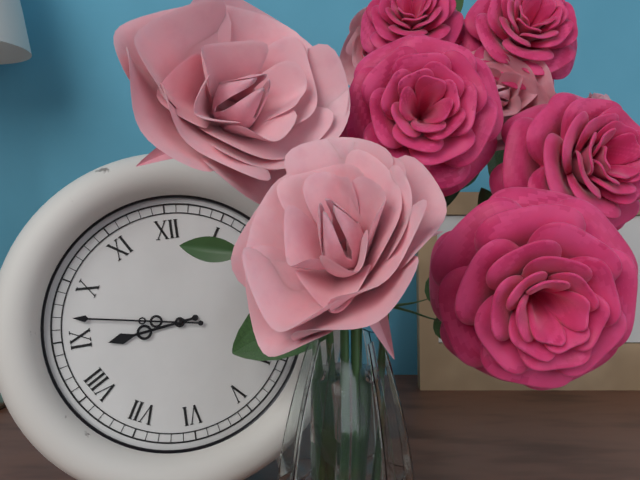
8:47
